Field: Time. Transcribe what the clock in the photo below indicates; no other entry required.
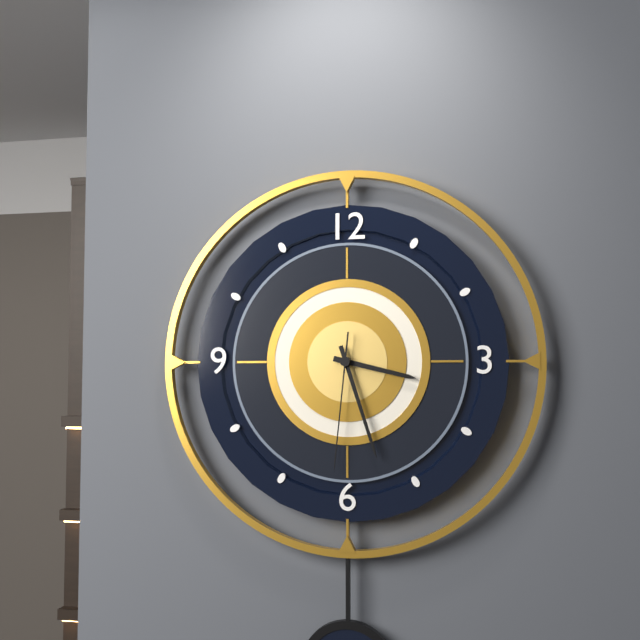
3:27:31
